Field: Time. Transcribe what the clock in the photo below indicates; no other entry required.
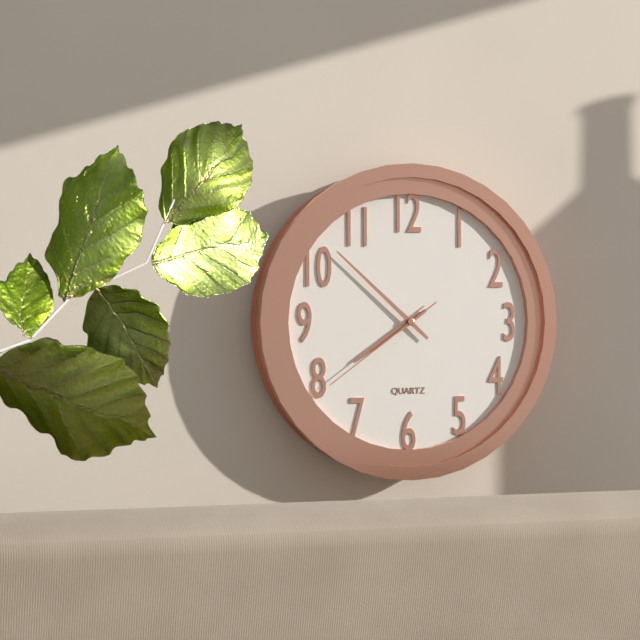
7:52:39
